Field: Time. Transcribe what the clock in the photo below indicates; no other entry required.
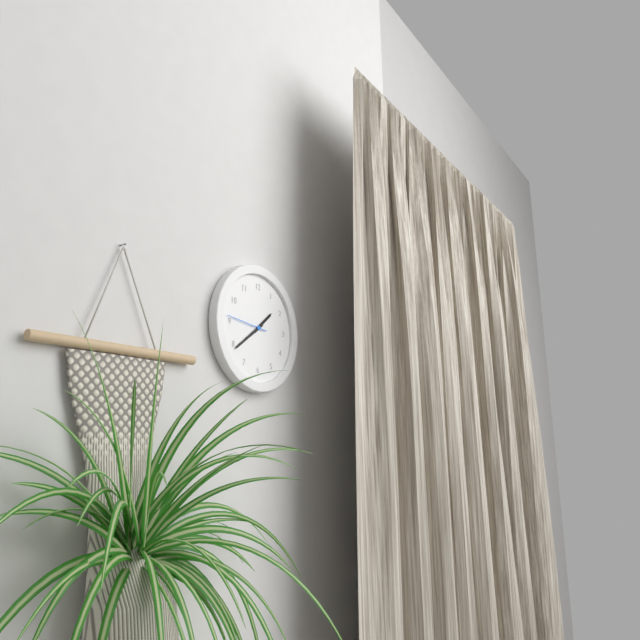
1:39
